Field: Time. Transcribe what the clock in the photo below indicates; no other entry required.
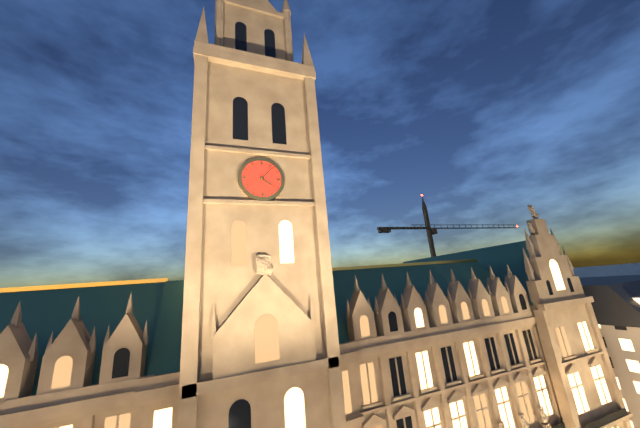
4:07
